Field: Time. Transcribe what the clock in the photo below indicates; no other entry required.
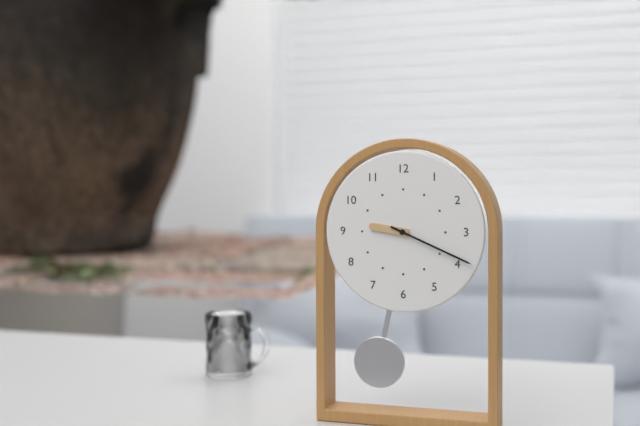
9:19
